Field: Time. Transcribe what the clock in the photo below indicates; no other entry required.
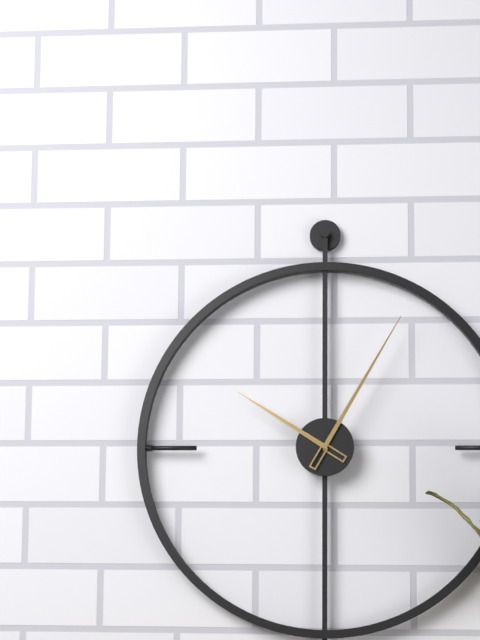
10:05
